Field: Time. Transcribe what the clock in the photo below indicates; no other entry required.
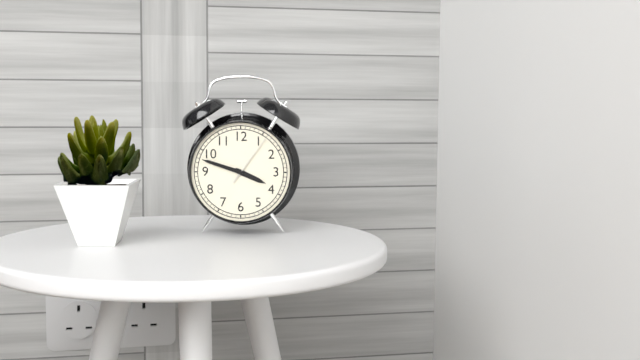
3:48:06
